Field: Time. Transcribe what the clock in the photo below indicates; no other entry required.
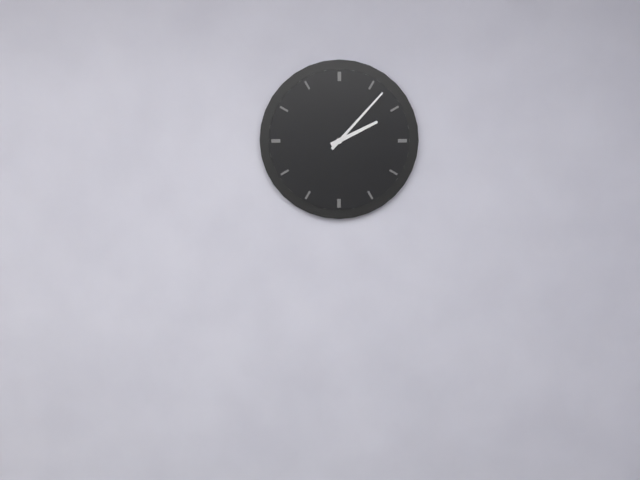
2:07
